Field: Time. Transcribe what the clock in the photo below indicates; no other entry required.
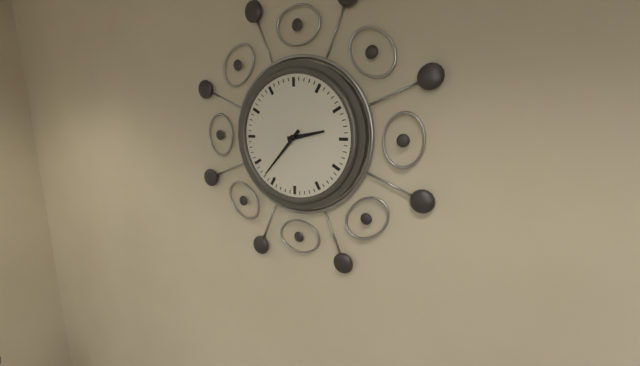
2:37
